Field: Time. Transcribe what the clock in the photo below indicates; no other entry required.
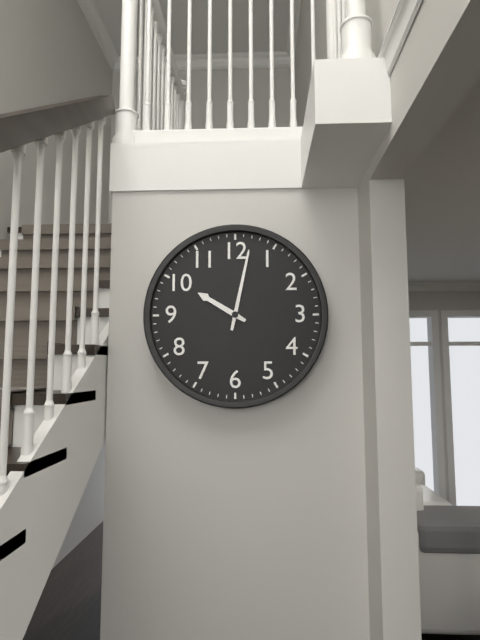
10:02
